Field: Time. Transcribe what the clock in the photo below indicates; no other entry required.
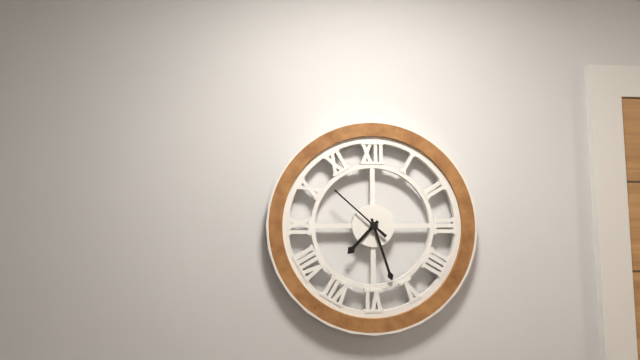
7:27:52
